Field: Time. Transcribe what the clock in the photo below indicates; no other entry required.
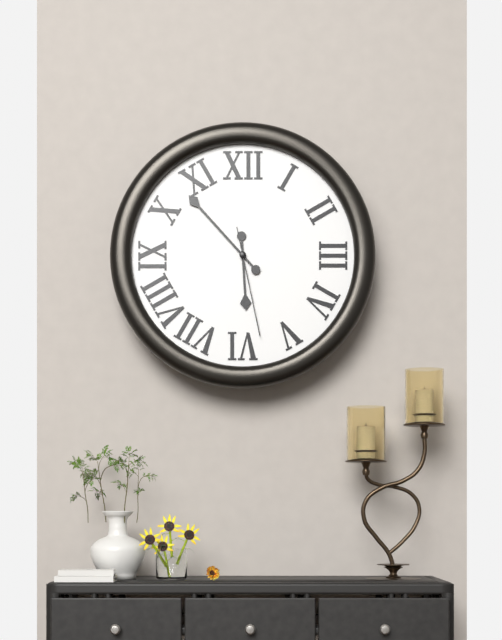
5:53:28
